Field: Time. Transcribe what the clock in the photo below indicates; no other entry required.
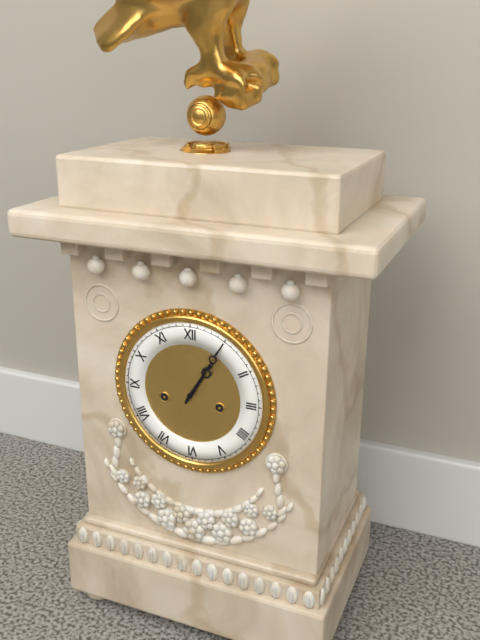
1:05
